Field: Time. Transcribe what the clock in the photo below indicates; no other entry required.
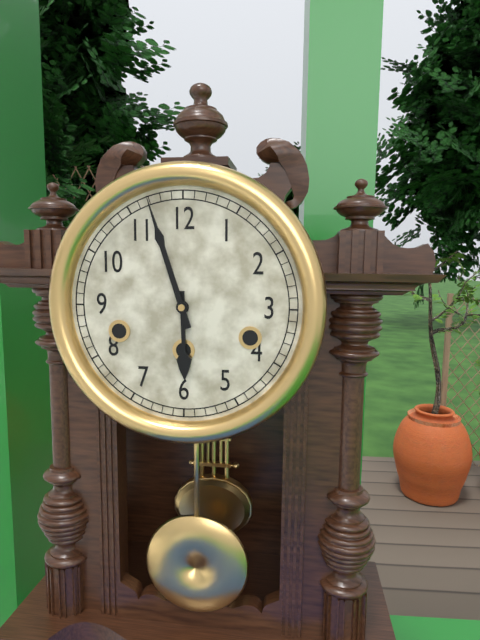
5:57
